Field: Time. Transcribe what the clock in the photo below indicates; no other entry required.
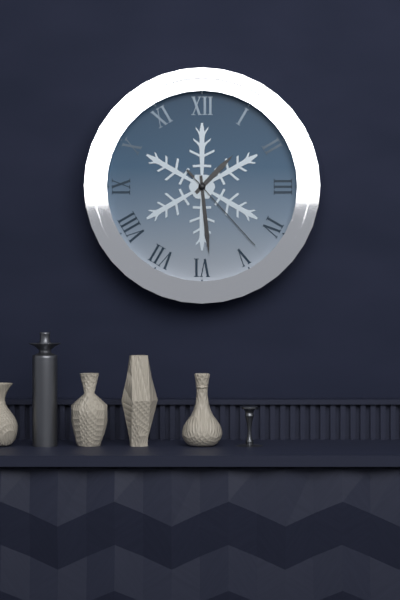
1:29:23
